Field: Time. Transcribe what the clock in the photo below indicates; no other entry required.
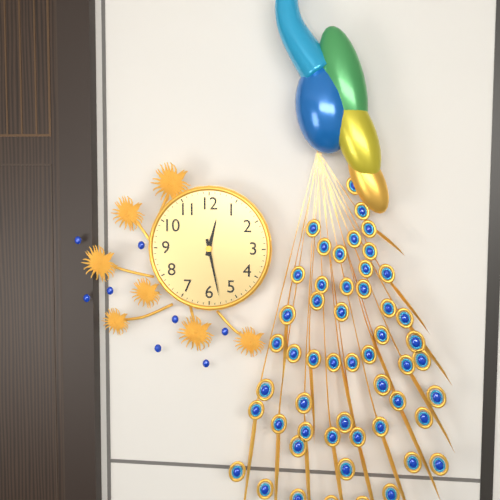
12:28
